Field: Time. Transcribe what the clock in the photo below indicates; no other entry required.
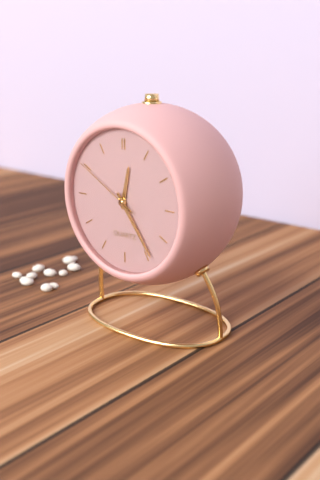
12:24:50
